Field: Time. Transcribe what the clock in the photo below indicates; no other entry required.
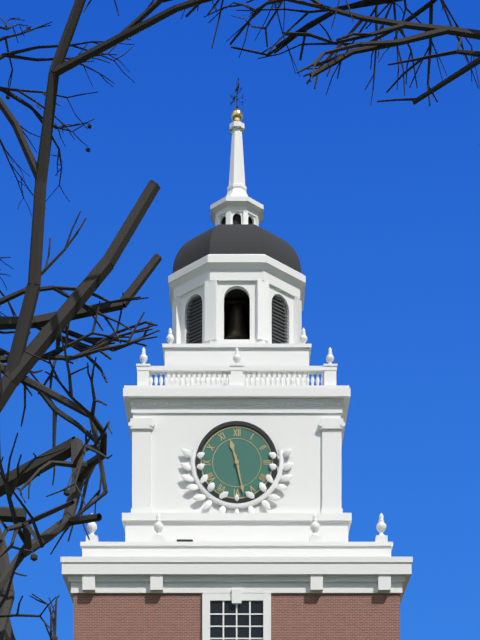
11:28
